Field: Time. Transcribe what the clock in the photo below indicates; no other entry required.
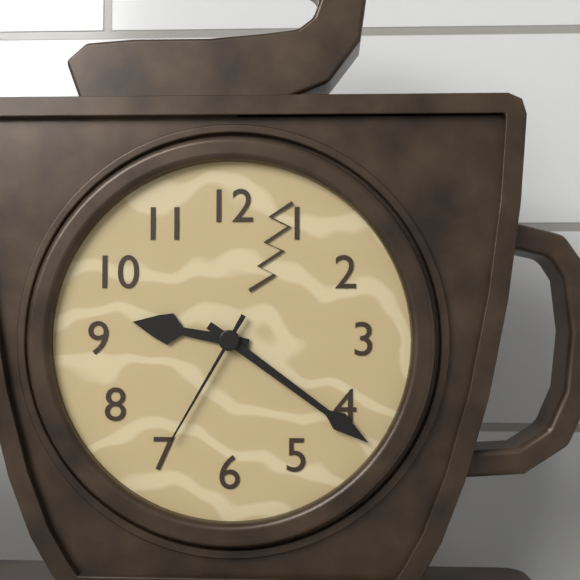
9:21:35
